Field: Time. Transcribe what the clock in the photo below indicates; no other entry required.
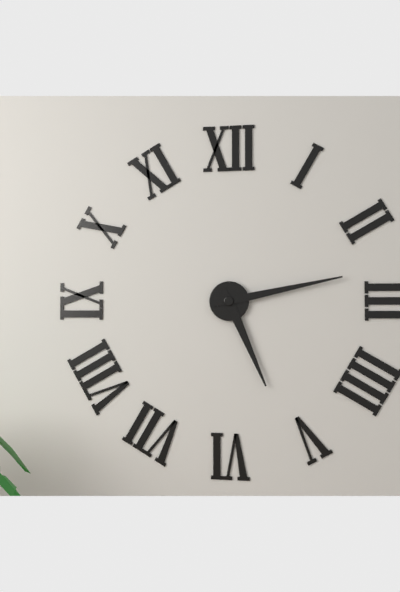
5:13
